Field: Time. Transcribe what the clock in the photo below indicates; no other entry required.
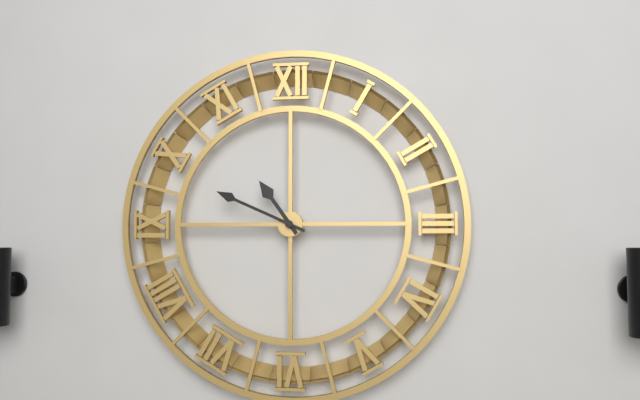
10:49
